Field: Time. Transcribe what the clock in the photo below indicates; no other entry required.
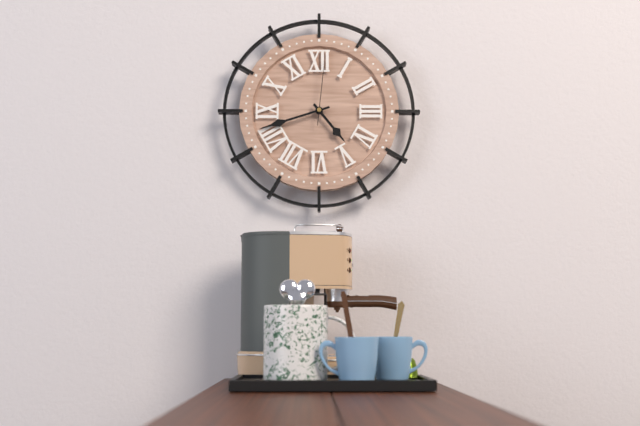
4:42:01
